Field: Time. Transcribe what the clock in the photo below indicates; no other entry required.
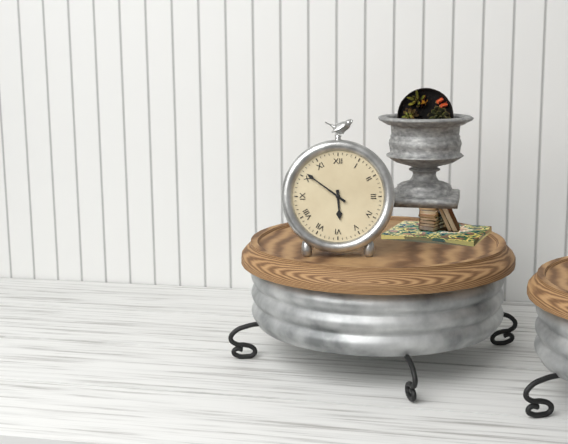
5:51
